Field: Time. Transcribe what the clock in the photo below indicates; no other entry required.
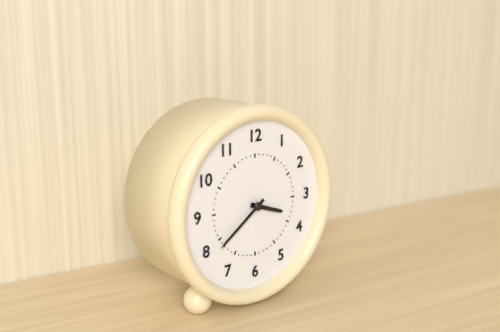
3:39
